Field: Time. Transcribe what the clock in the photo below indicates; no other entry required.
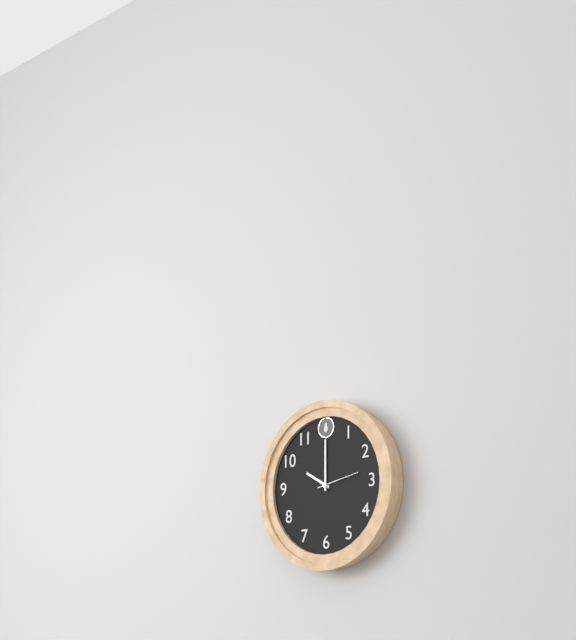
10:00
